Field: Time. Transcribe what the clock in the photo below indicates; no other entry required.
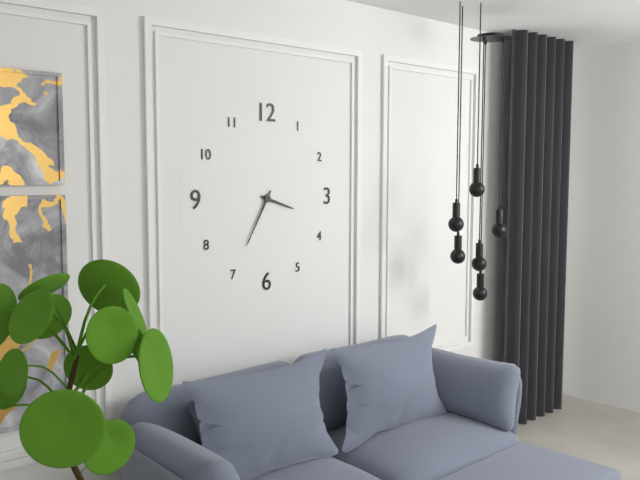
3:35
